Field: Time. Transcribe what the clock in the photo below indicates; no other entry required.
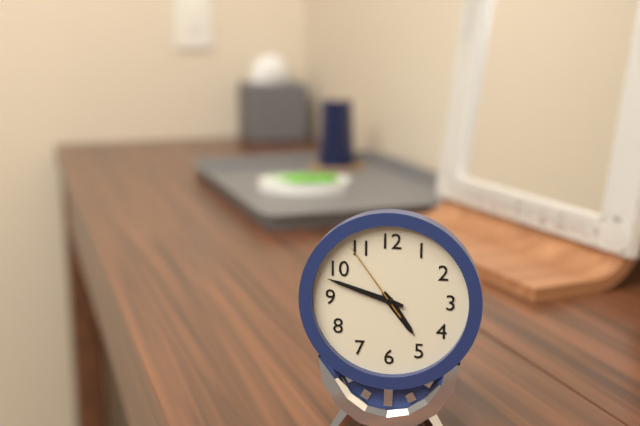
4:48:54
